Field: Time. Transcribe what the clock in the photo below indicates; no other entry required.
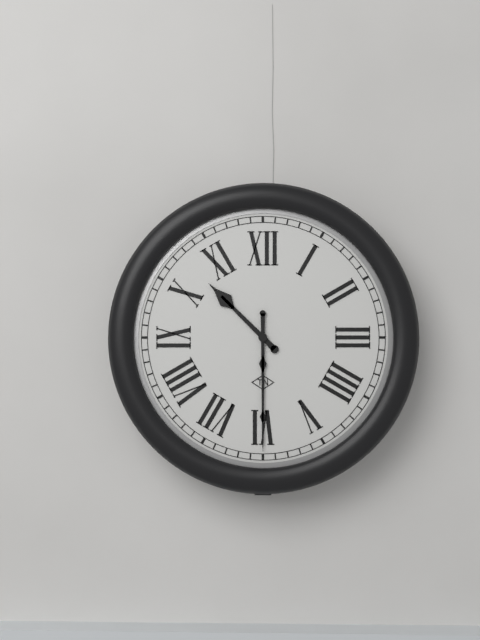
10:30
